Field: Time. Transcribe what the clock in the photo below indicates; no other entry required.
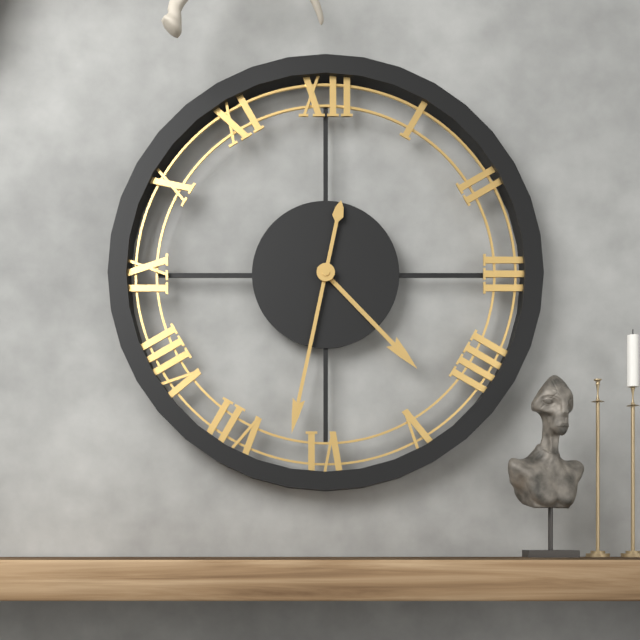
4:32
